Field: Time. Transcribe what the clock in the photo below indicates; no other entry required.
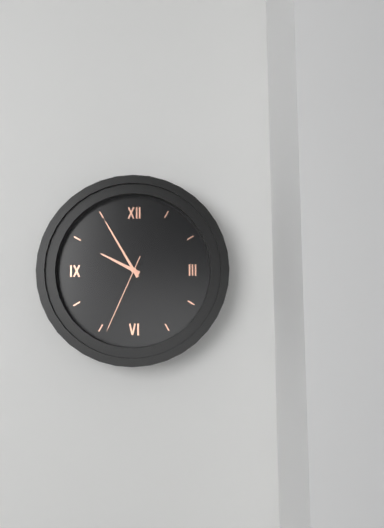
9:55:34
